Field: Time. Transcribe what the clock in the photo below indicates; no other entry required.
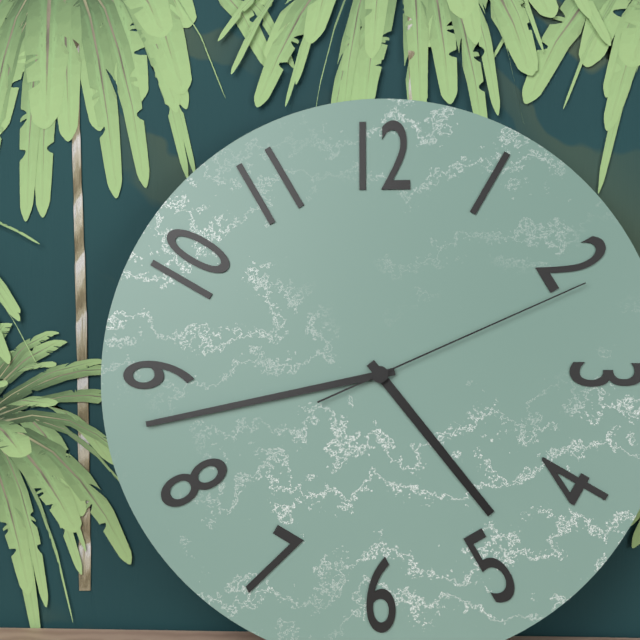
4:43:11
